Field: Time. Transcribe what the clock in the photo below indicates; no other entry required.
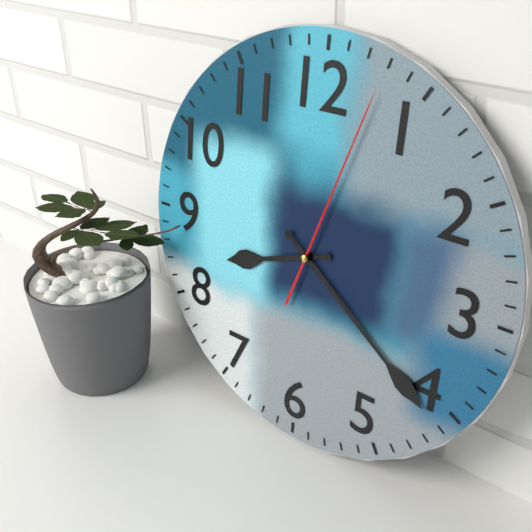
8:21:03
